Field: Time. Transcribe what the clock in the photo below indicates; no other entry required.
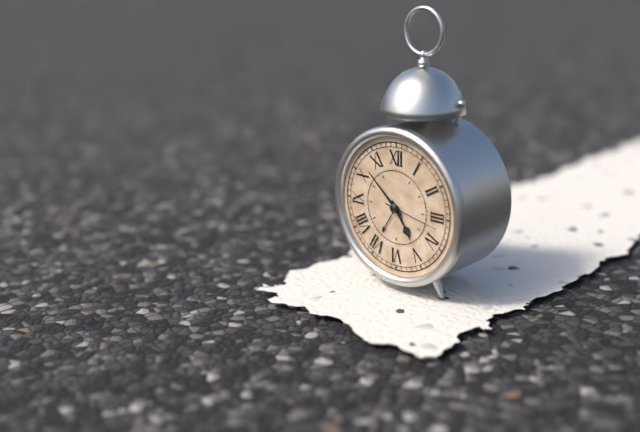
4:52:17
